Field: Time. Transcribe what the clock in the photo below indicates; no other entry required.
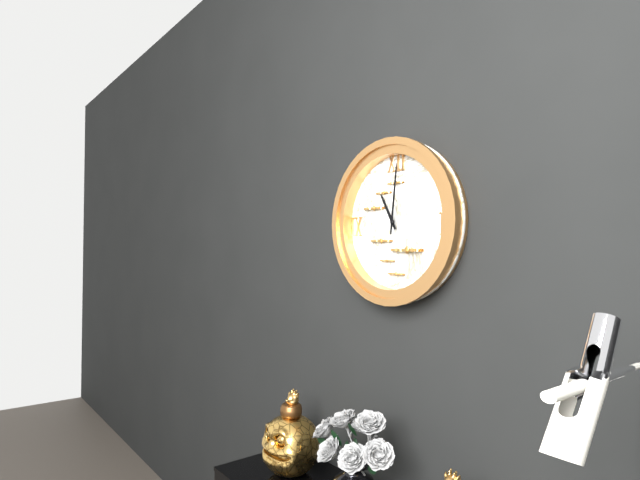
11:01
